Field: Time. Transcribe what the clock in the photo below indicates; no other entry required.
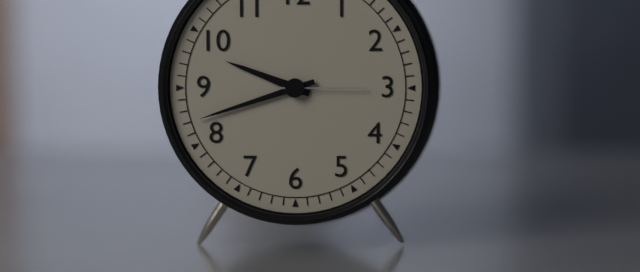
9:42:15
